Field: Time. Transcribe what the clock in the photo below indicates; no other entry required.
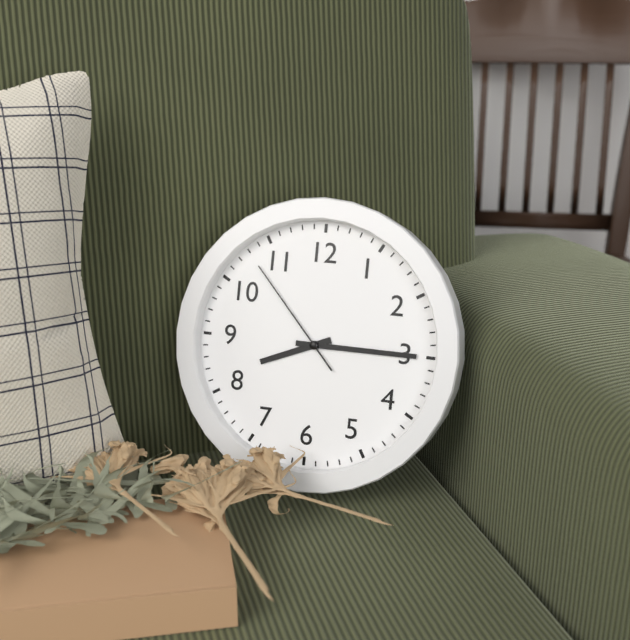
8:15:53
